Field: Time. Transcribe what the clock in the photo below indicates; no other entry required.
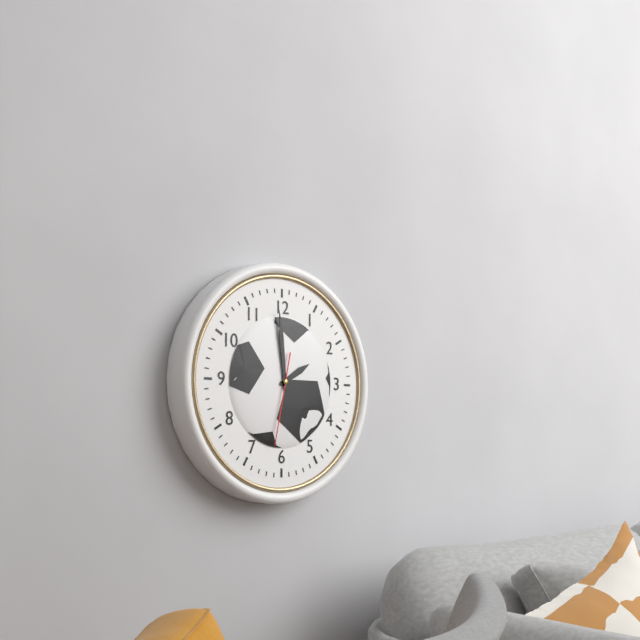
1:59:32
